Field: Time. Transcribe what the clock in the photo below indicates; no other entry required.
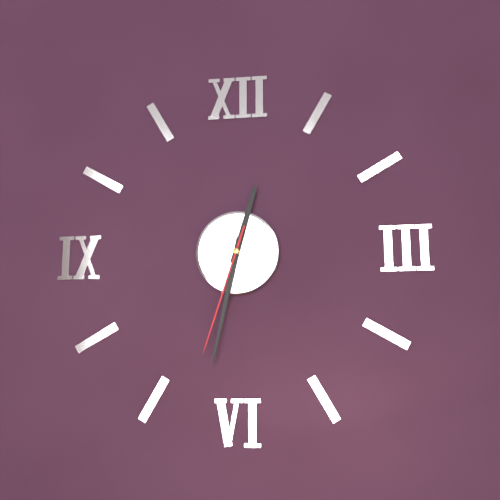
12:32:33
